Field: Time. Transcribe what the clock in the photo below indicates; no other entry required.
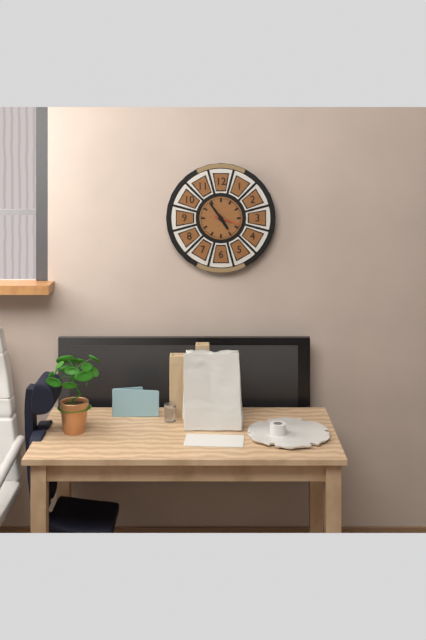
4:54
